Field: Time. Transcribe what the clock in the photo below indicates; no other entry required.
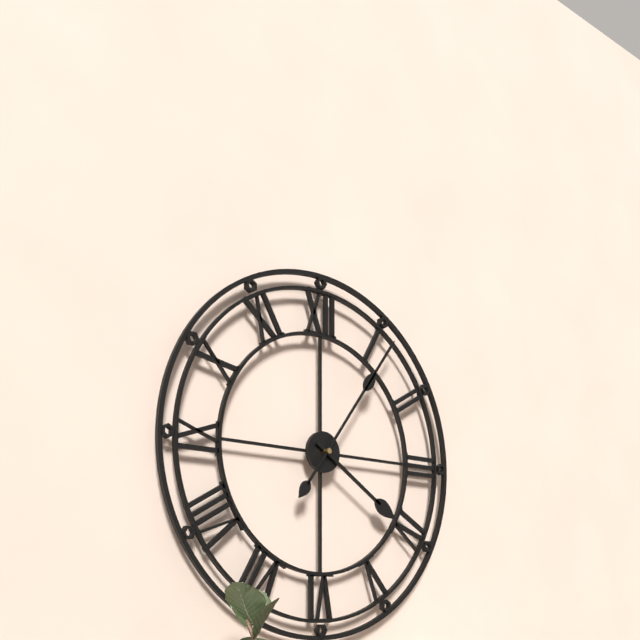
4:06
